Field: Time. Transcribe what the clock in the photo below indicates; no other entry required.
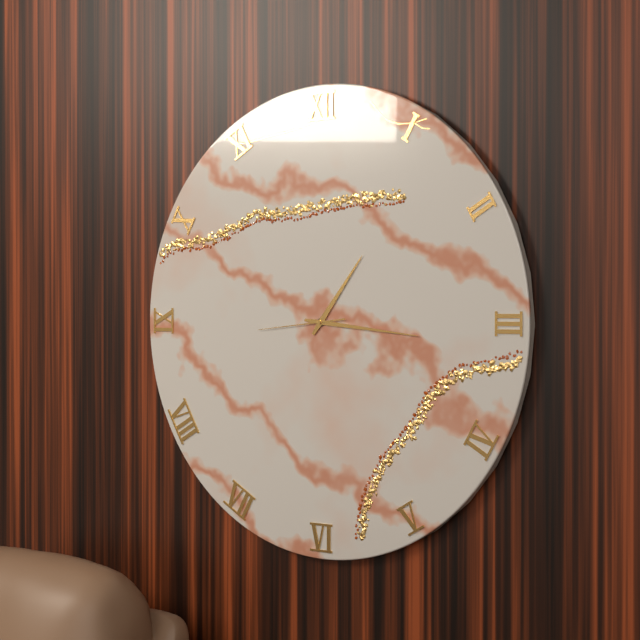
1:16:44
